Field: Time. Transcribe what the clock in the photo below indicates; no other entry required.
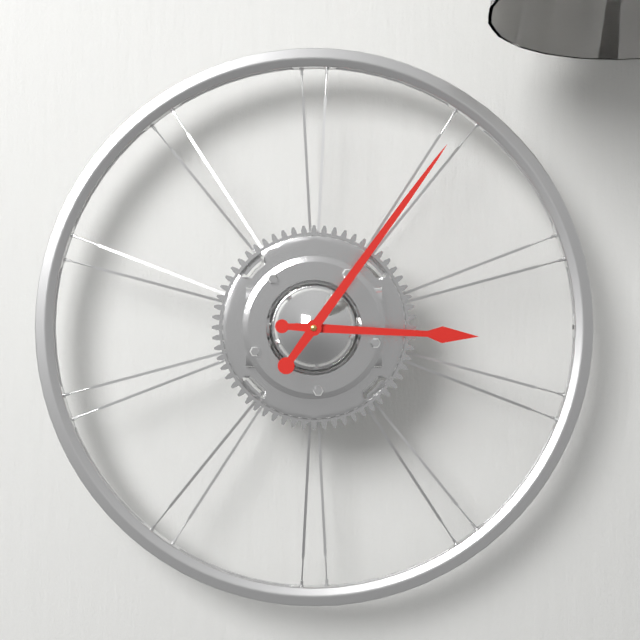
3:06
